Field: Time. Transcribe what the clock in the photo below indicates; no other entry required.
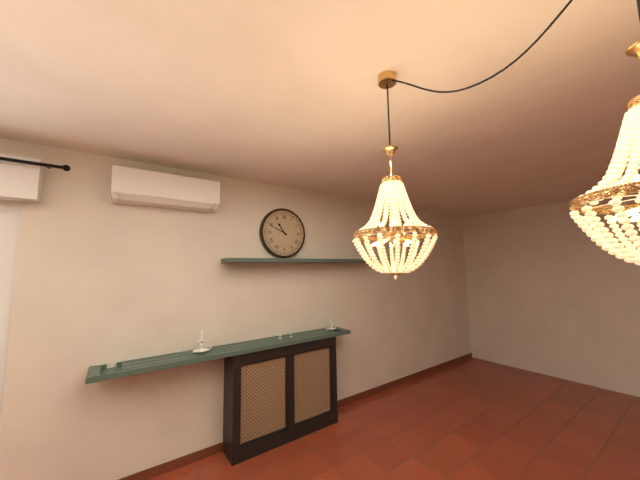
10:49
